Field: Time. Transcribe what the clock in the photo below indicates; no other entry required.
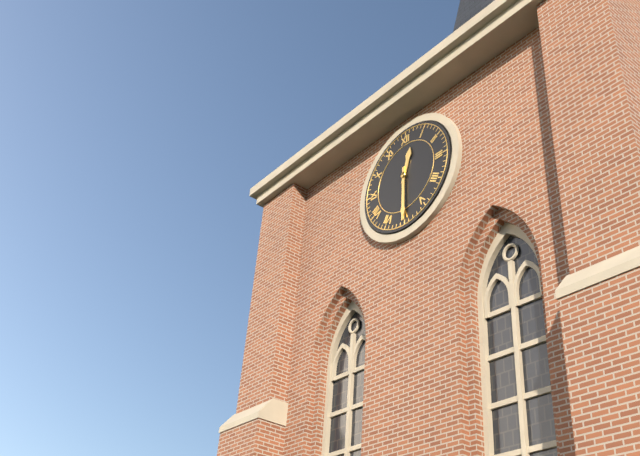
12:30
